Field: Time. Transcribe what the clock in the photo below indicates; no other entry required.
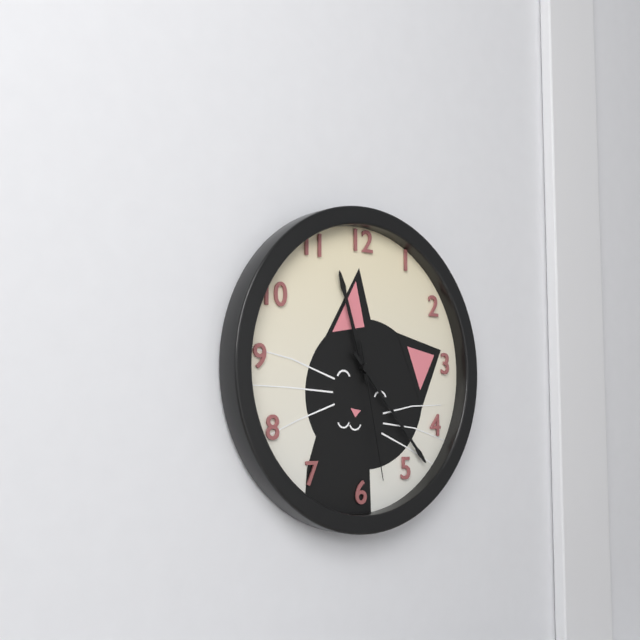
11:23:28
